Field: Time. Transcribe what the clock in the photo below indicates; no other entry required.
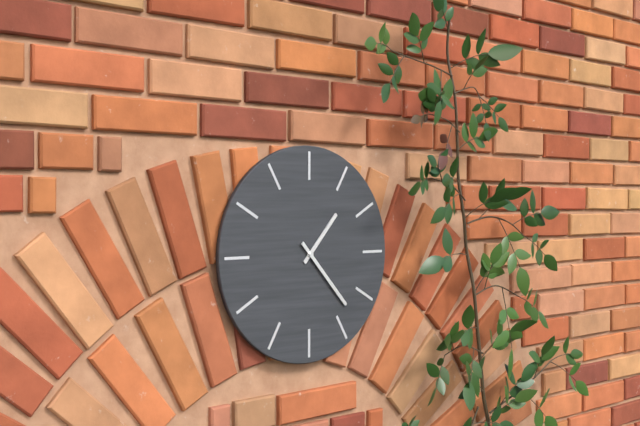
1:23
